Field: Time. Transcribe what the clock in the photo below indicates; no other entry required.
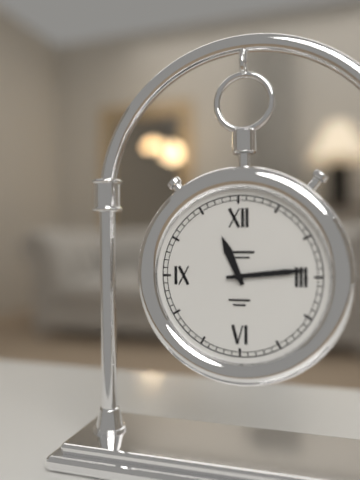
11:14
